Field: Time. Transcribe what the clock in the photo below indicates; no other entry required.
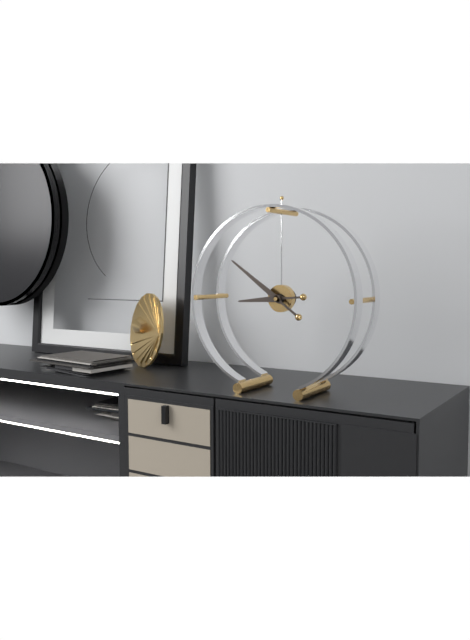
8:51
